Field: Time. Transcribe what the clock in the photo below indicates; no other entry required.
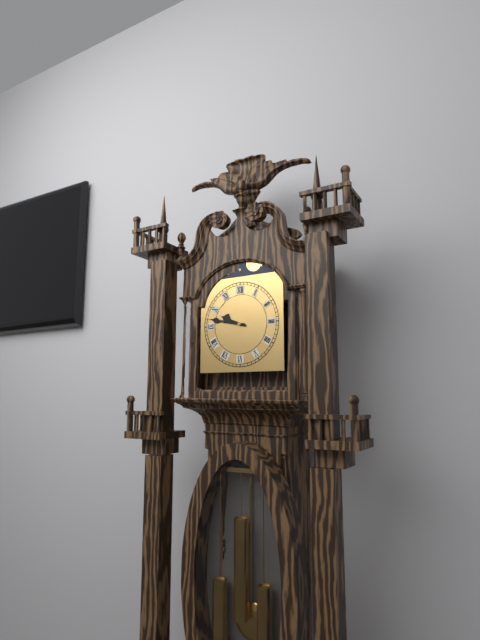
9:47
